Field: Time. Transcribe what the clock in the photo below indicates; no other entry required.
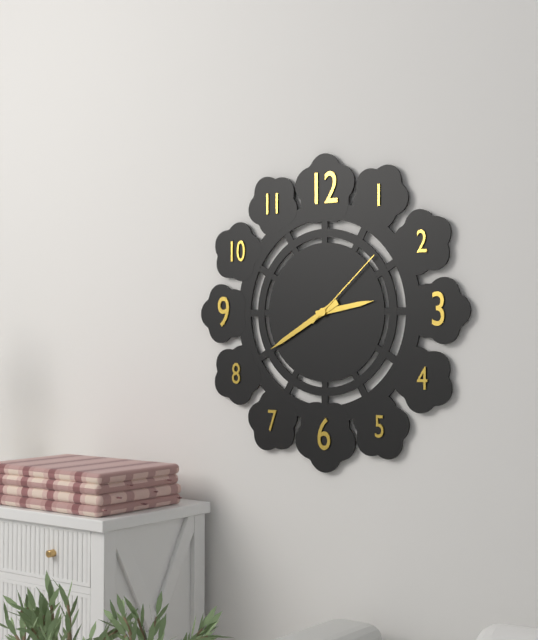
2:40:08
